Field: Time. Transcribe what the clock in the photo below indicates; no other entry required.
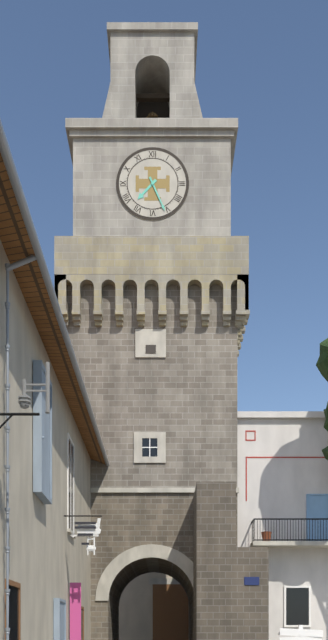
7:26
